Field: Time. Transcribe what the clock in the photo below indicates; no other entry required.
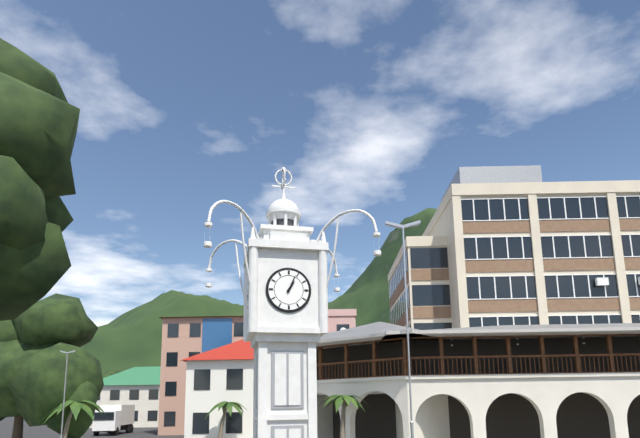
1:04
